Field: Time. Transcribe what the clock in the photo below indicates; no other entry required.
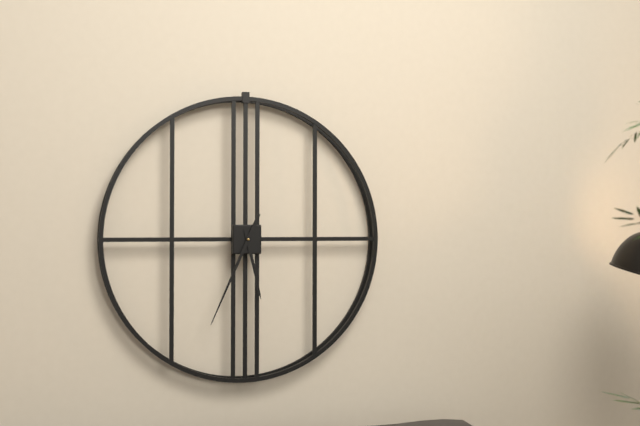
5:34
